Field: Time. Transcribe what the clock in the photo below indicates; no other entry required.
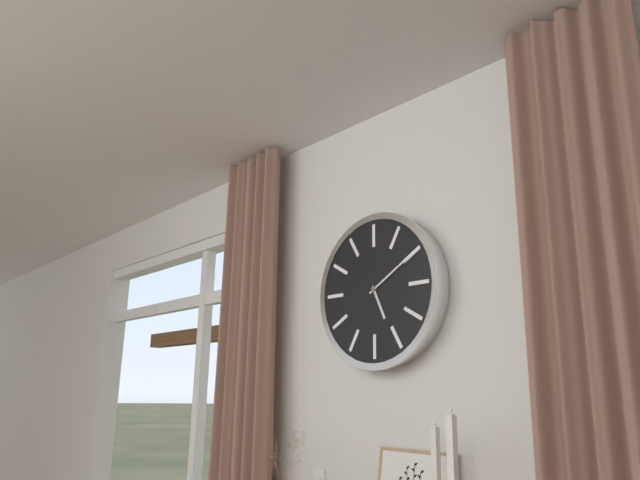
5:10
